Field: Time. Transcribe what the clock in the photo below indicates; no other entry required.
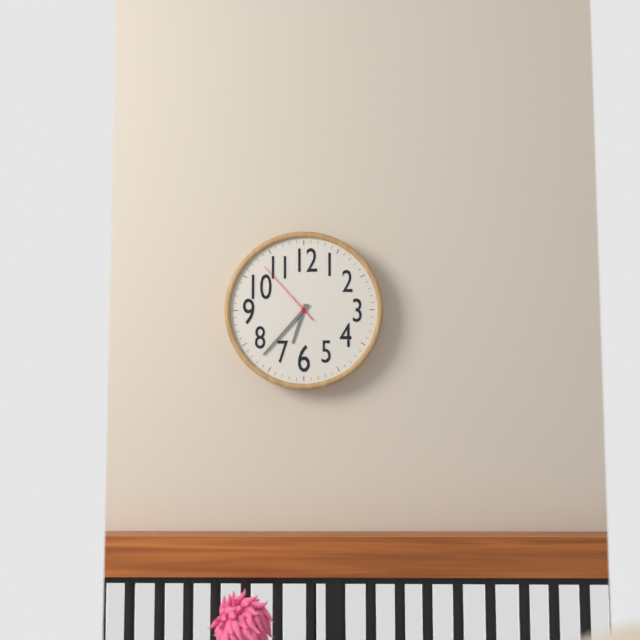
6:37:53
